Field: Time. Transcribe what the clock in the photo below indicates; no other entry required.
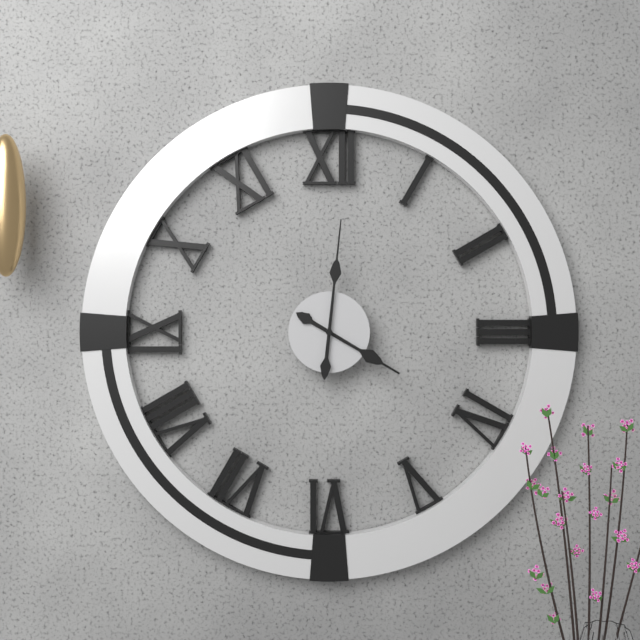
4:01
